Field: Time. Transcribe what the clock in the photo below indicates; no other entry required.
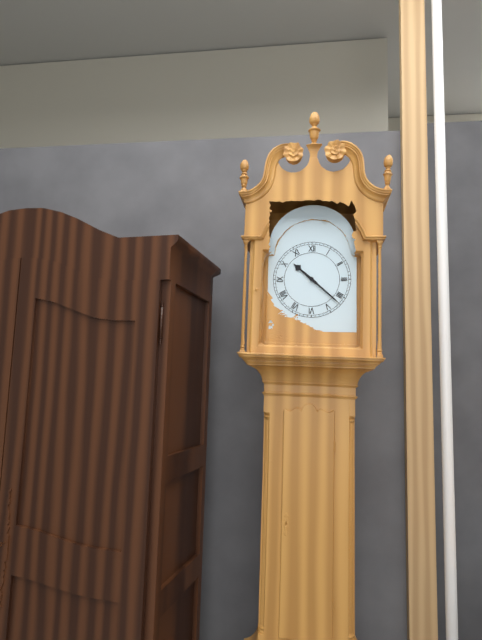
10:22
